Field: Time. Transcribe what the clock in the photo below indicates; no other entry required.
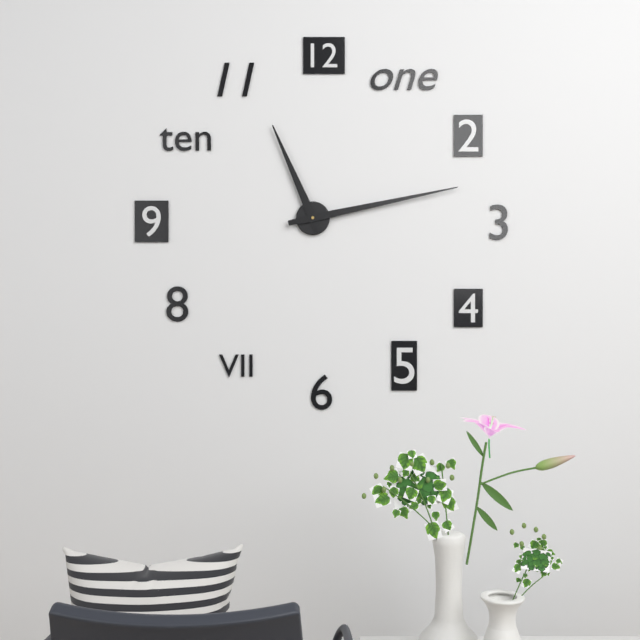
11:13
